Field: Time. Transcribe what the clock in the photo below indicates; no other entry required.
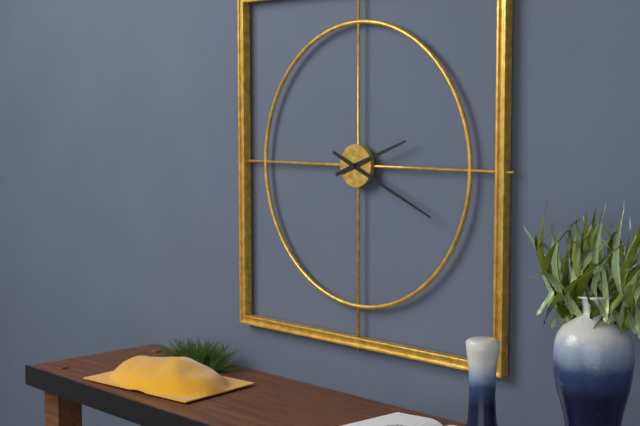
2:19
